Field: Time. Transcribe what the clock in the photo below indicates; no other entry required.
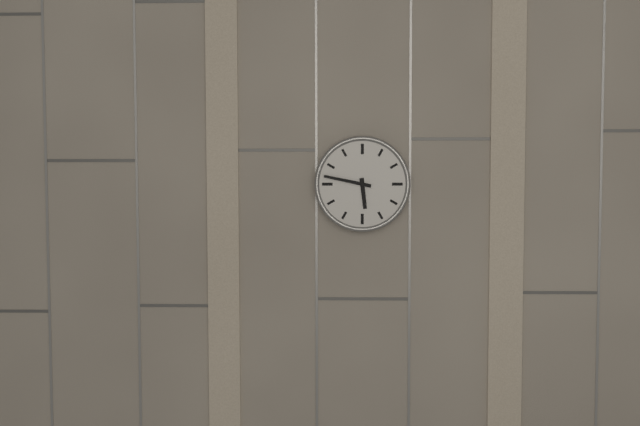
5:47
